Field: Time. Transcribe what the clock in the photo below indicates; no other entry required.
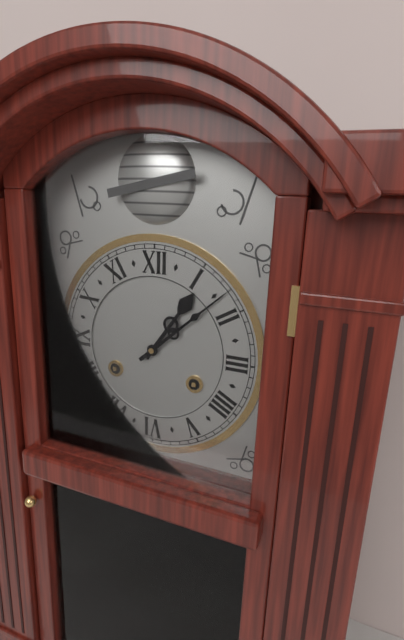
1:08
